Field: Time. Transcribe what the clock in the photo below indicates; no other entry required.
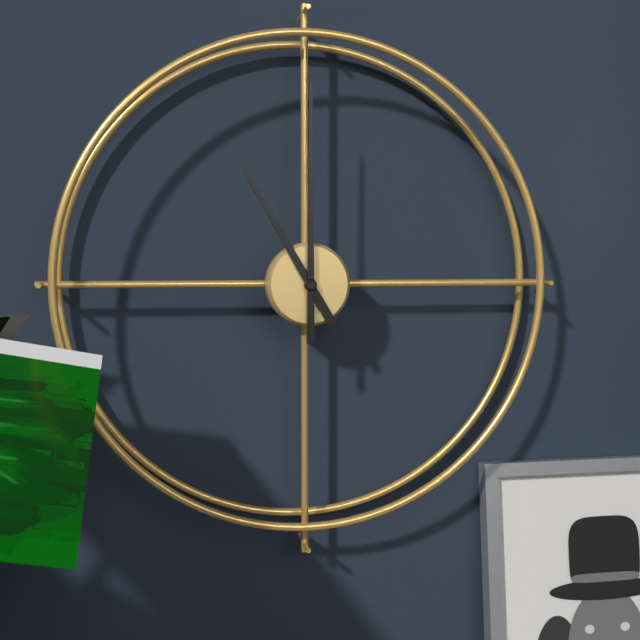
11:00
